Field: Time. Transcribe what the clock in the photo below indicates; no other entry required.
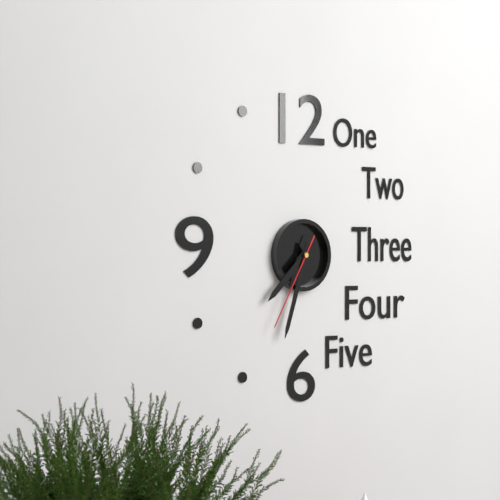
7:33:35
